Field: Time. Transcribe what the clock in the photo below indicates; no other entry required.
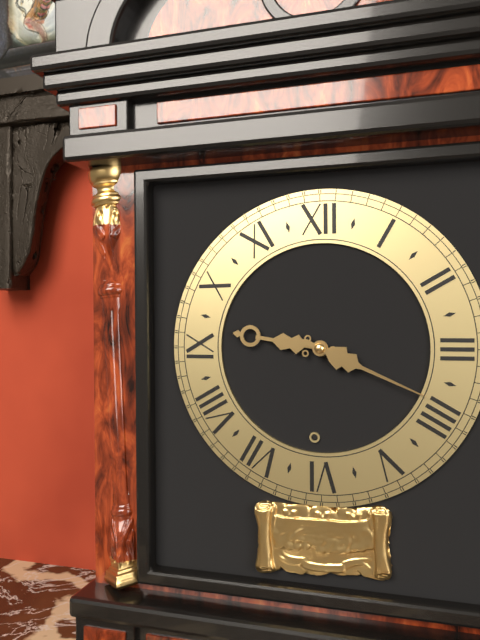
9:19
